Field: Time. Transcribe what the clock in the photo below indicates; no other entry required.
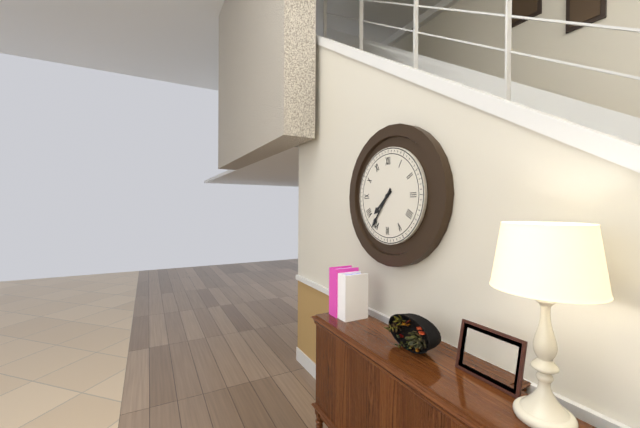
7:36
